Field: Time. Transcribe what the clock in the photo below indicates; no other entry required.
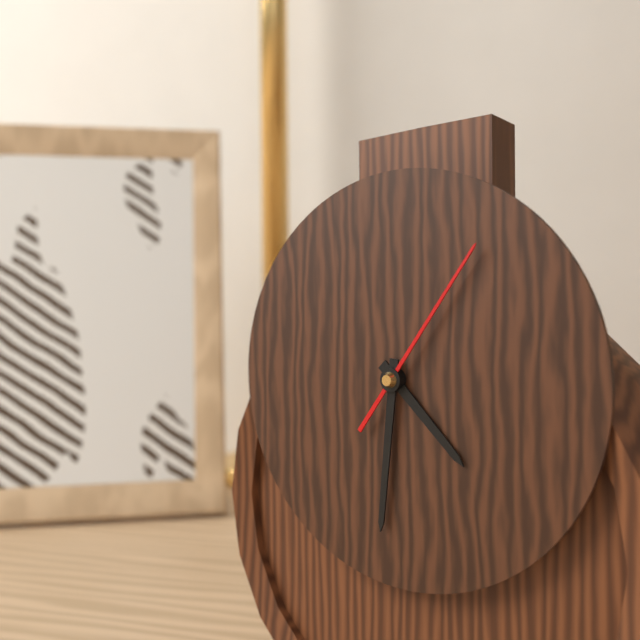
4:31:06
